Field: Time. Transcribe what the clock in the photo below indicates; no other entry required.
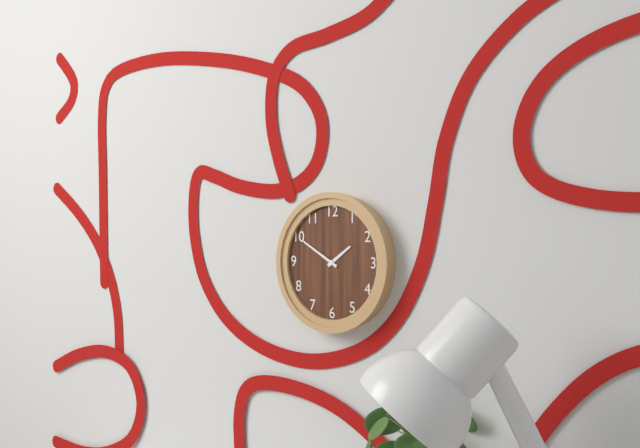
1:50
